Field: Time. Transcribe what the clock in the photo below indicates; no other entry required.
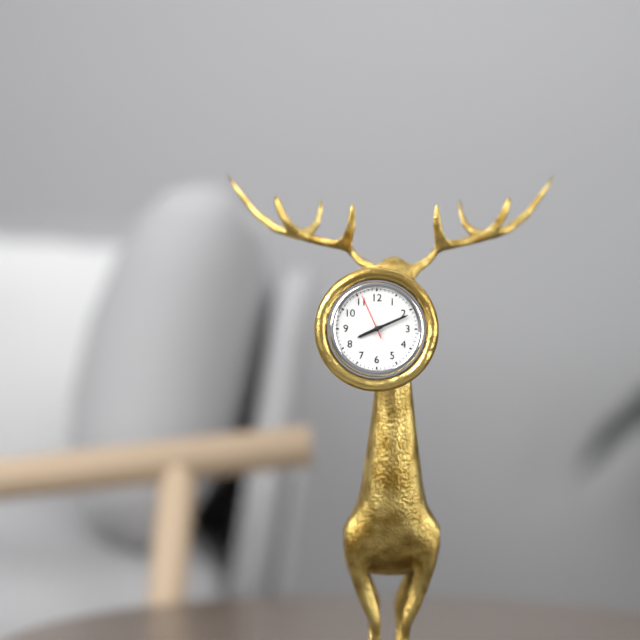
8:11
